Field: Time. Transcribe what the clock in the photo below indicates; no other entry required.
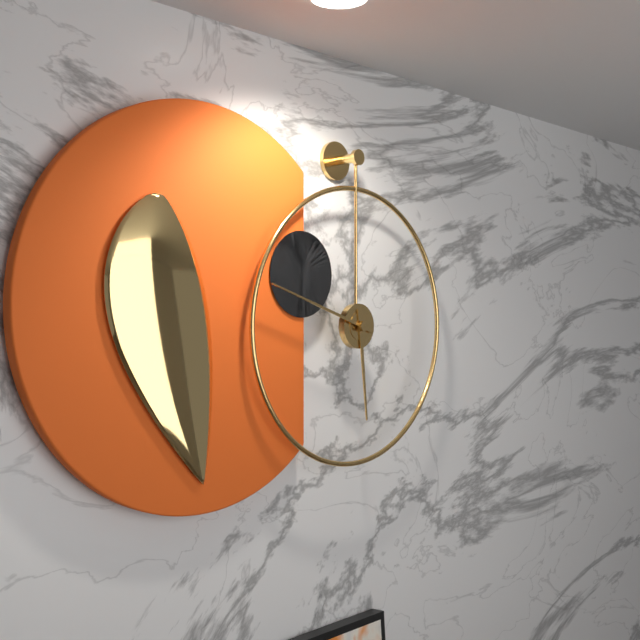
5:48
